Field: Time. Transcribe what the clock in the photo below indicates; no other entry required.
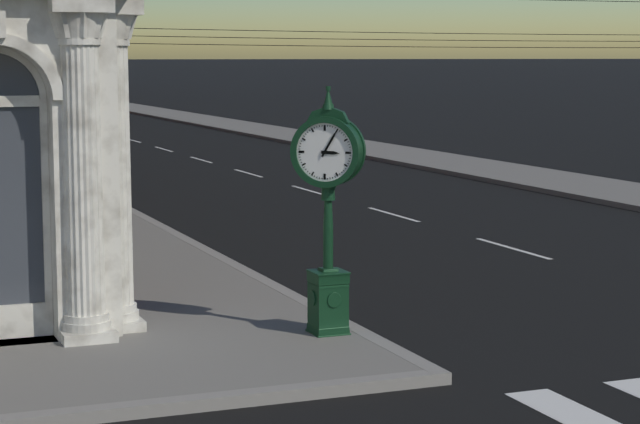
3:05
